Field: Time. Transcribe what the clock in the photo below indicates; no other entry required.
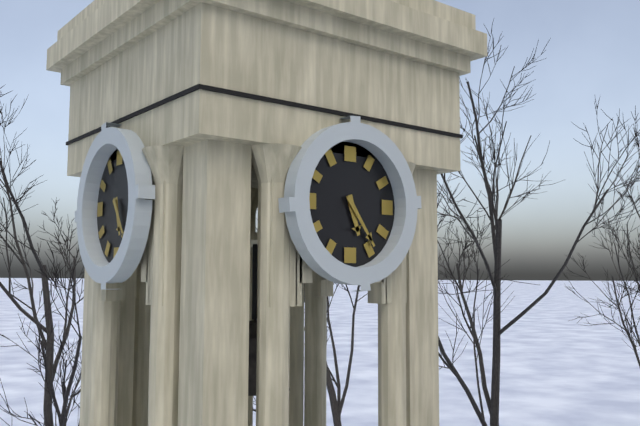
5:24
